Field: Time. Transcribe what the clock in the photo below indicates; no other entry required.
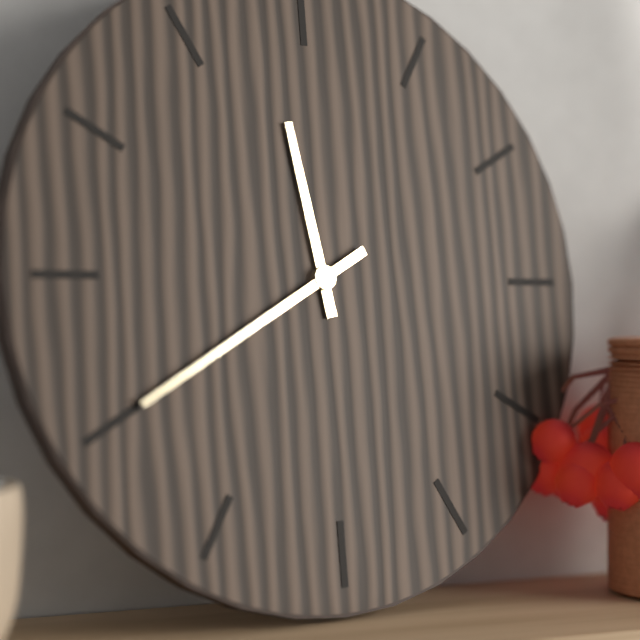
11:40
